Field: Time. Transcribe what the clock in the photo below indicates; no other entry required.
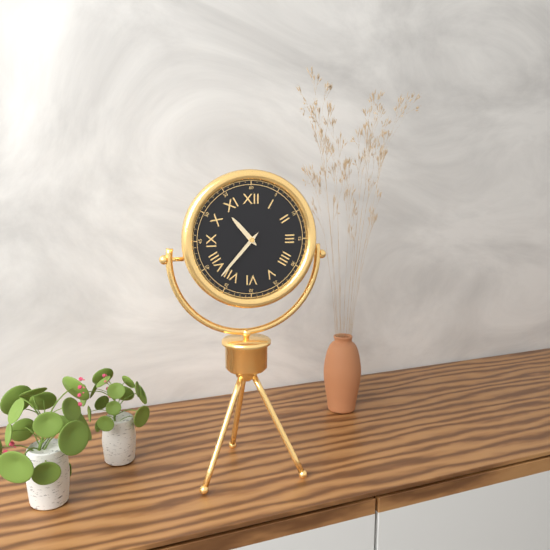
10:37
